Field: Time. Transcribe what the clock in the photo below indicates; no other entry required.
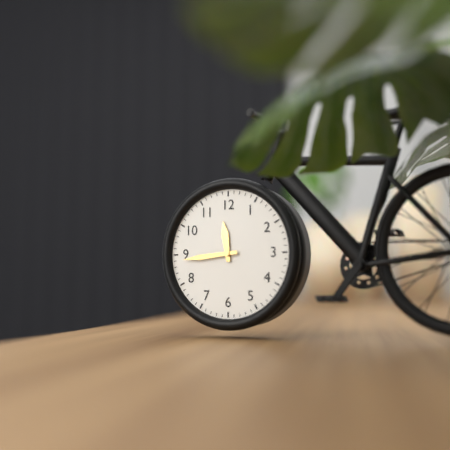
11:44
